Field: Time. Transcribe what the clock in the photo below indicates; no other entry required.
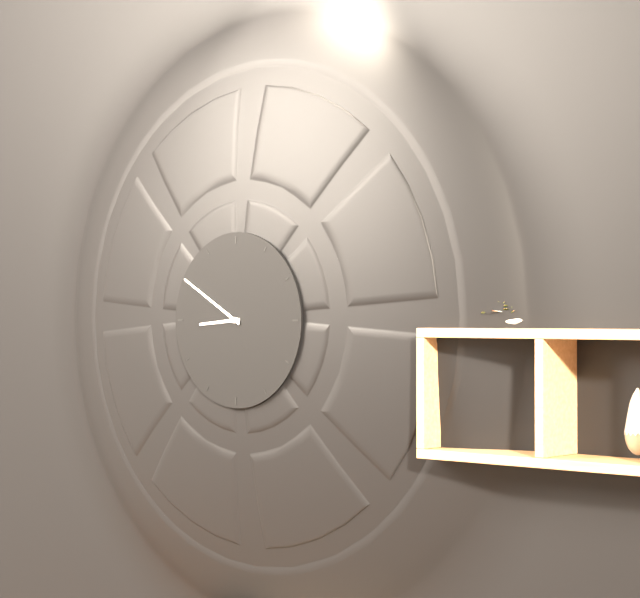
8:50
